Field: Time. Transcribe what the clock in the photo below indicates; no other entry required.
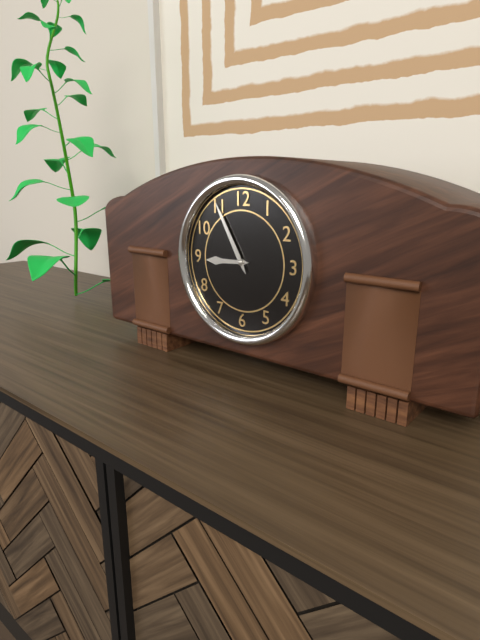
8:55
